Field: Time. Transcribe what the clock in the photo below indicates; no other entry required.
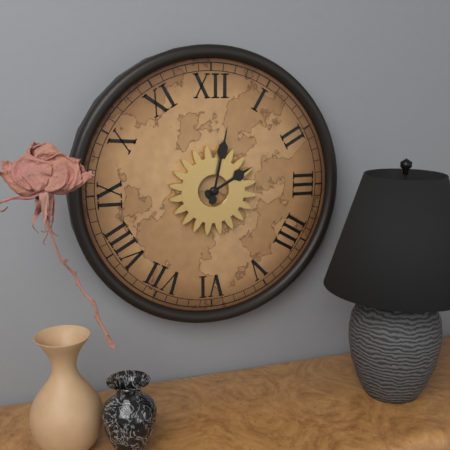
2:02
